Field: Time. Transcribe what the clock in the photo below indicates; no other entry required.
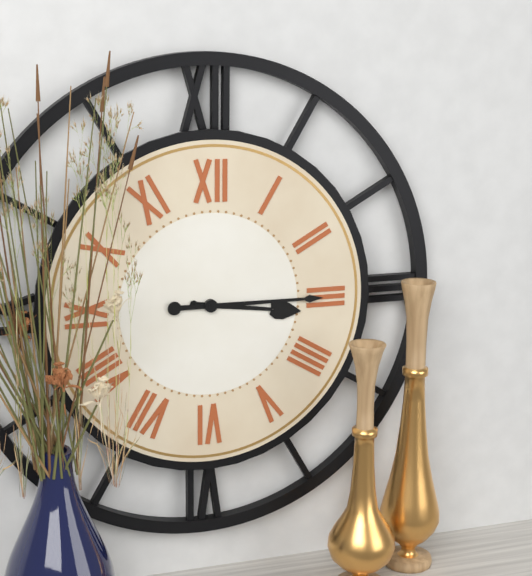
3:15
